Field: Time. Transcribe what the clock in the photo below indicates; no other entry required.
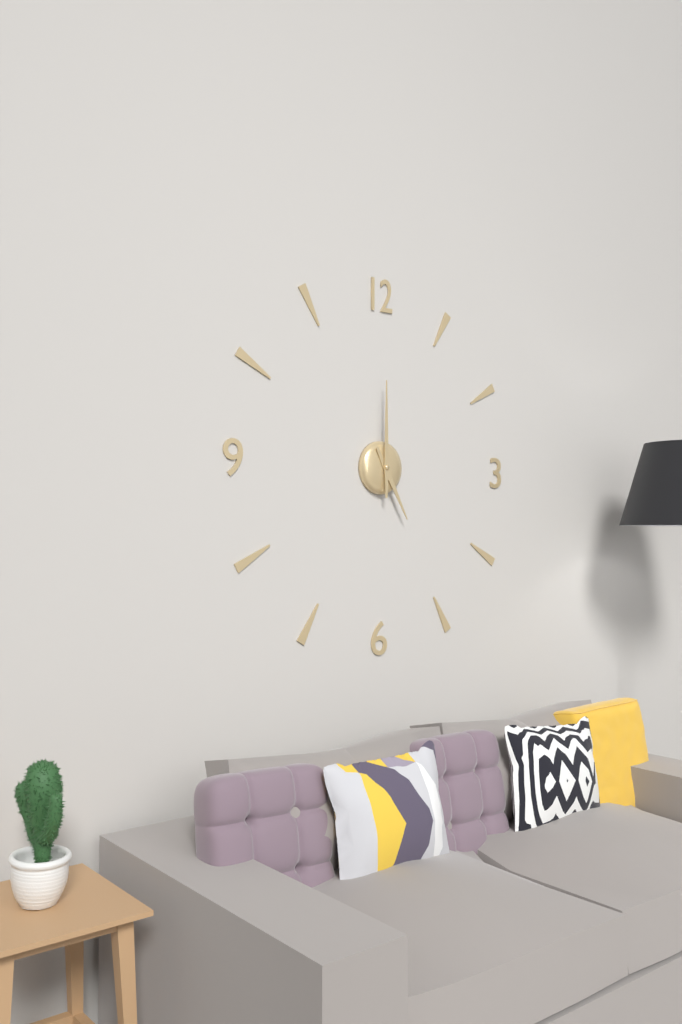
5:00
